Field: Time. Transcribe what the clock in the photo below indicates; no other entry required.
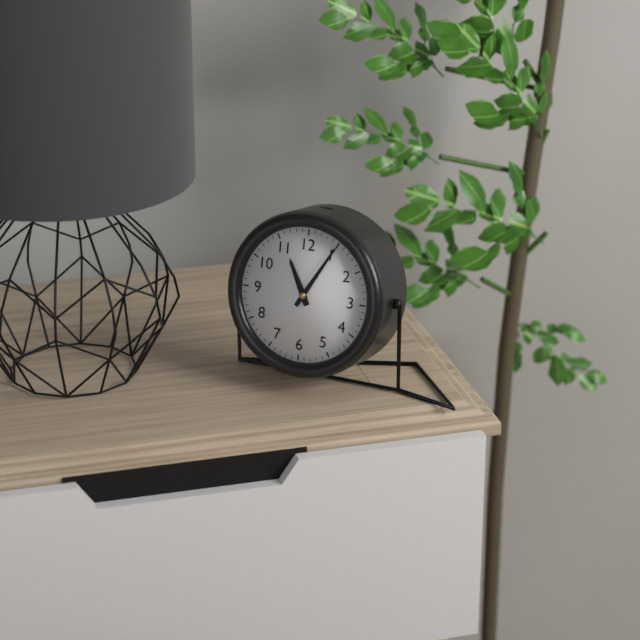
11:05
